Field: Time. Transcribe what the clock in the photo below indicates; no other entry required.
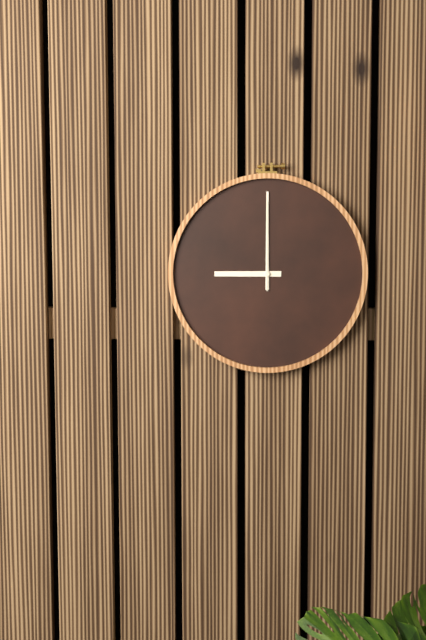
9:00:00
